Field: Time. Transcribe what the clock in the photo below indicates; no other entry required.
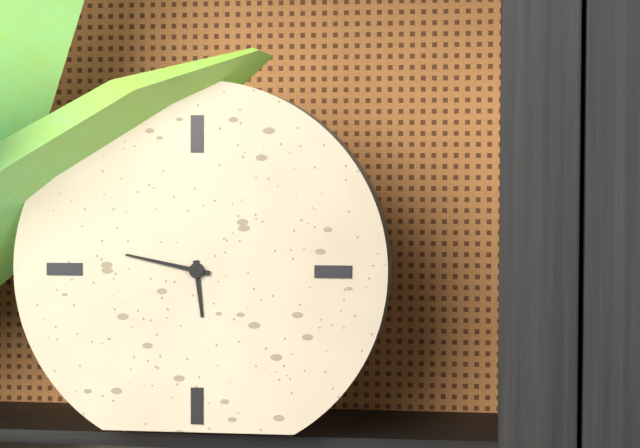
5:47
